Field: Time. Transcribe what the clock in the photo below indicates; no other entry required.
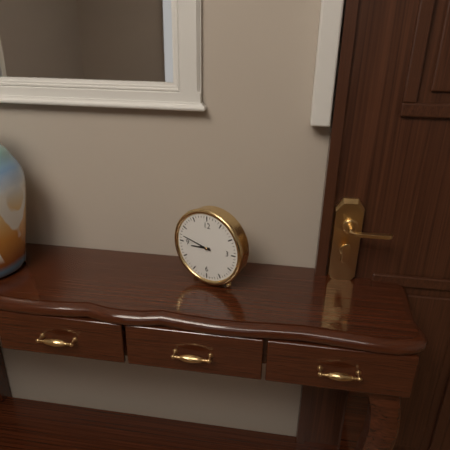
8:47
